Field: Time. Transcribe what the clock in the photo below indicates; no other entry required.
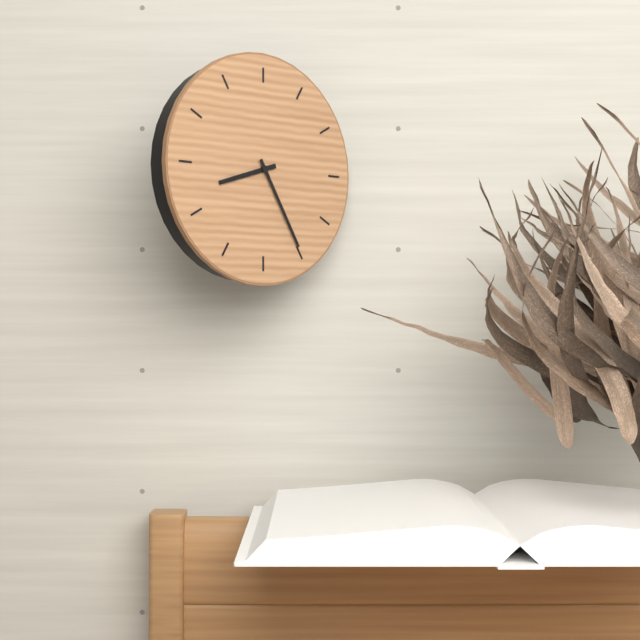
8:25
